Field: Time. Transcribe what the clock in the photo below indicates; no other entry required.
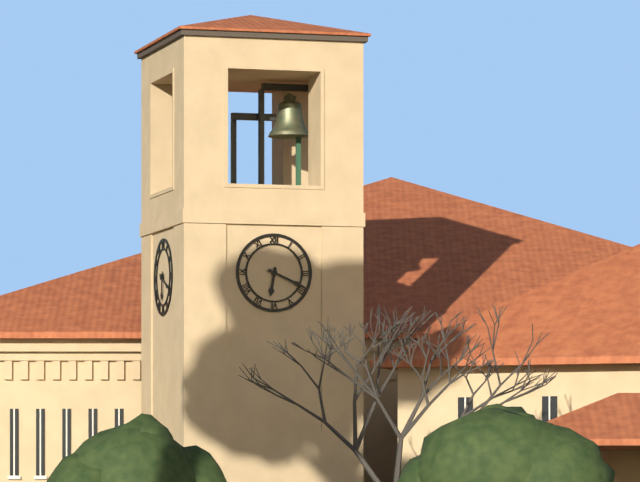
6:19
